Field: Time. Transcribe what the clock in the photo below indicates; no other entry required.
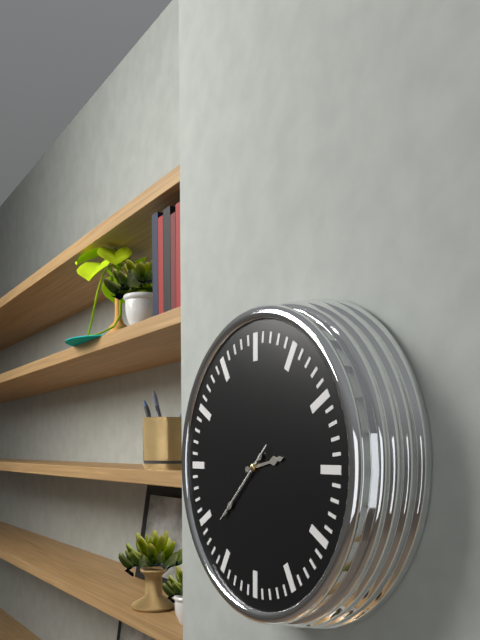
2:38:38
